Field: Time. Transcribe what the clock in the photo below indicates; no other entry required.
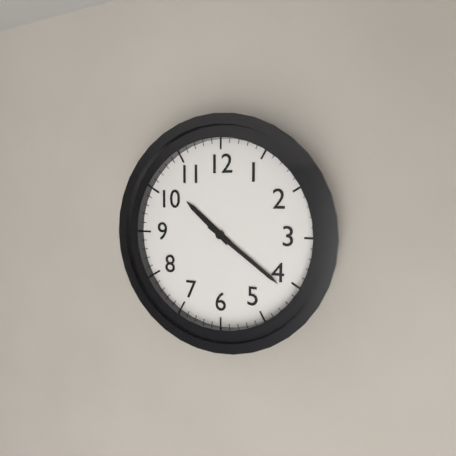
10:21
